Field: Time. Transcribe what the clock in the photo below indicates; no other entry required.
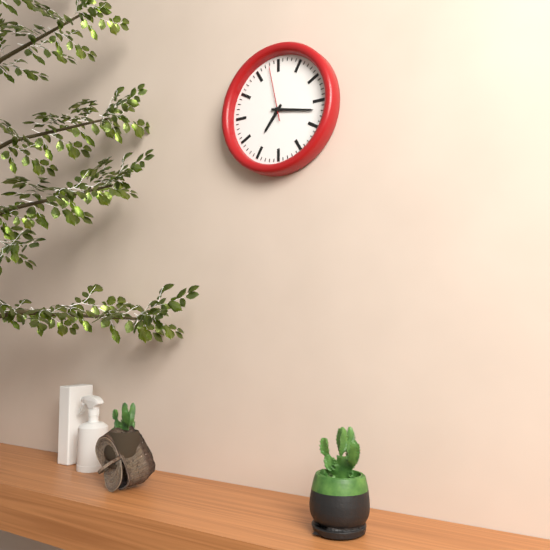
7:17:58
